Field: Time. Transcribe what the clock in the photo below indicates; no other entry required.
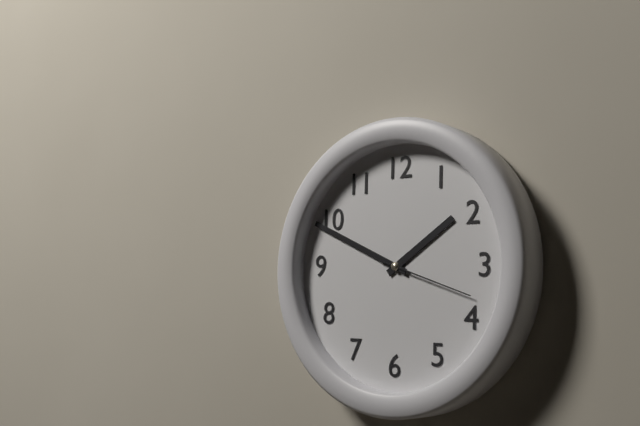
1:49:18
